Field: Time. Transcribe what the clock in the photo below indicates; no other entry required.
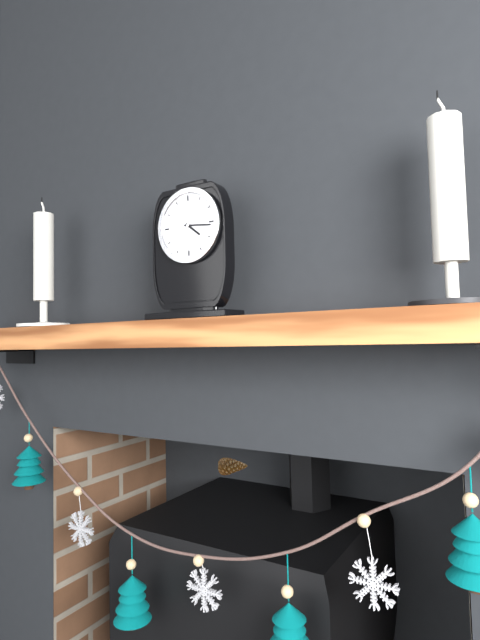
4:16
